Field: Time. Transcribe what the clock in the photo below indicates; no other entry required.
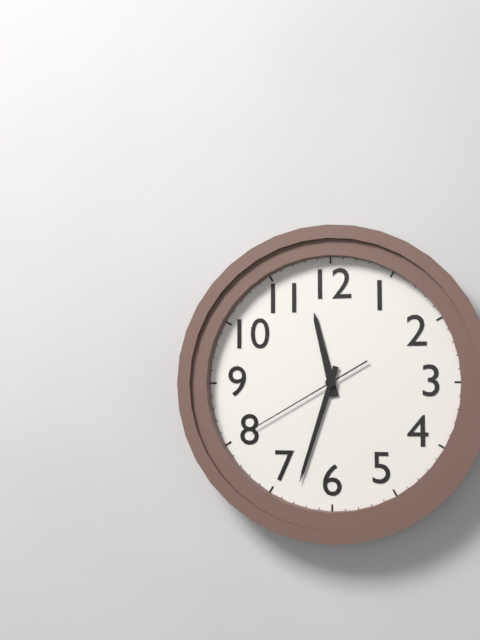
11:33:40
